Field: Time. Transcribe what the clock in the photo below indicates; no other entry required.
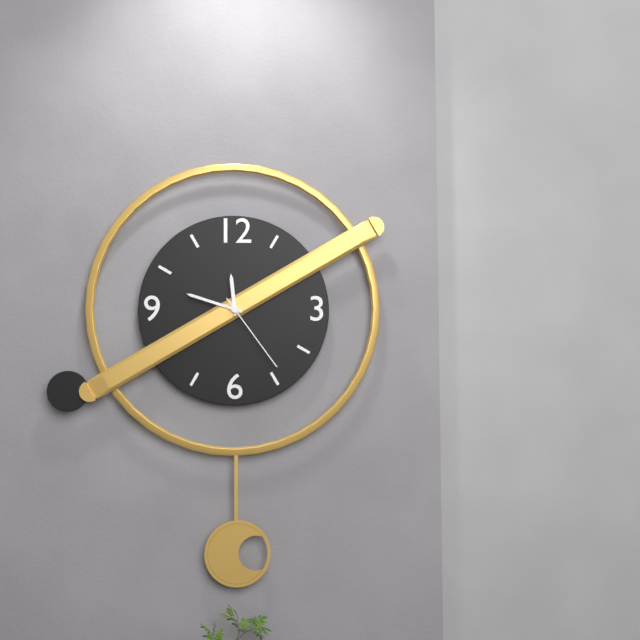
11:48:24
